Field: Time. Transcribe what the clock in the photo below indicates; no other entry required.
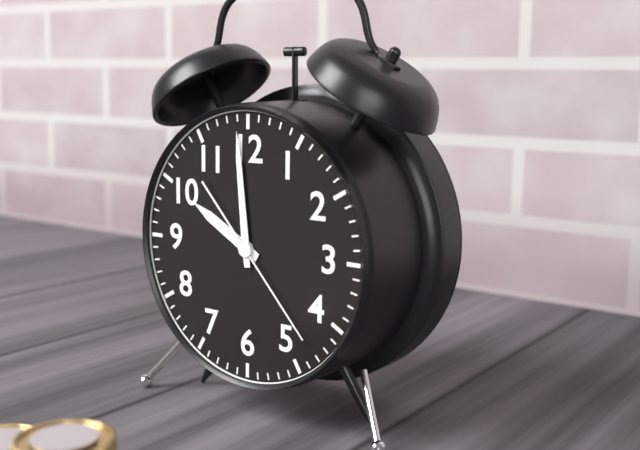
9:59:23
